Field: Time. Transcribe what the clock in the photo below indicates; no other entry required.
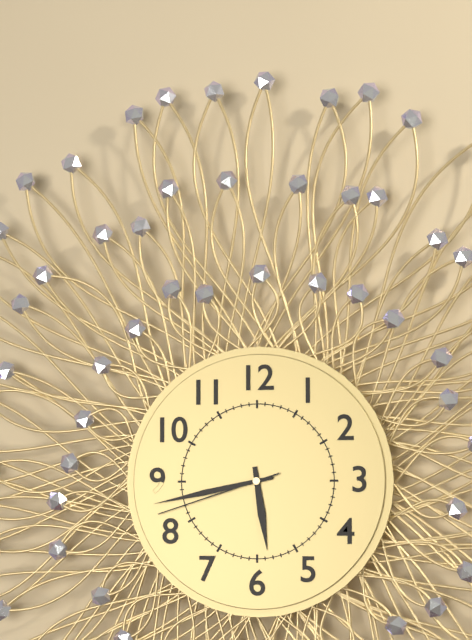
5:43:42
